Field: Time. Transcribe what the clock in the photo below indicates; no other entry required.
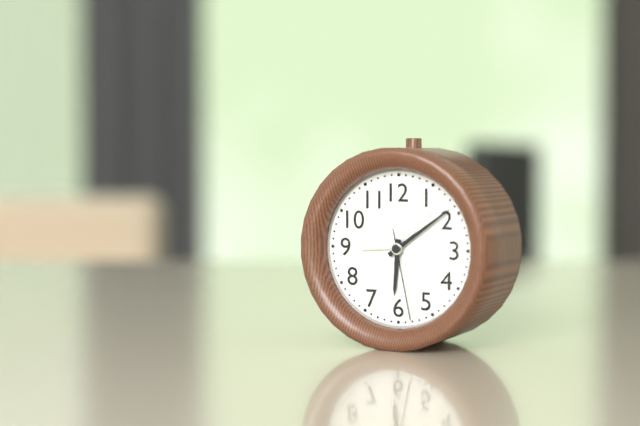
6:09:28
